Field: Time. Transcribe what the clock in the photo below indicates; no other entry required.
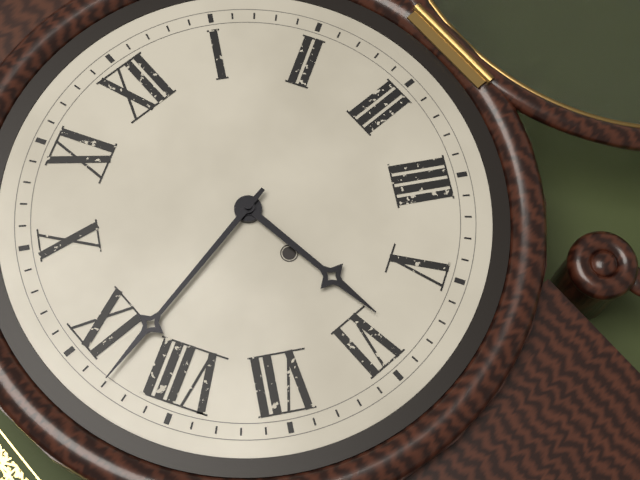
5:43
